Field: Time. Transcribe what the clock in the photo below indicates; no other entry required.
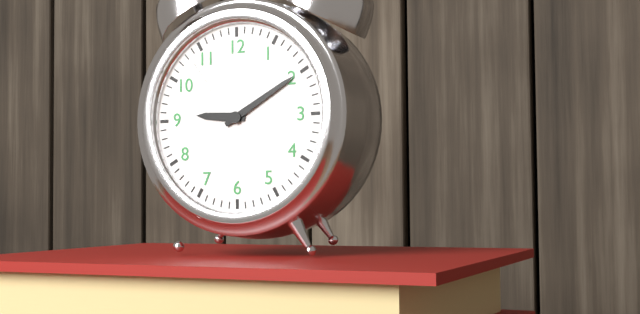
9:10
